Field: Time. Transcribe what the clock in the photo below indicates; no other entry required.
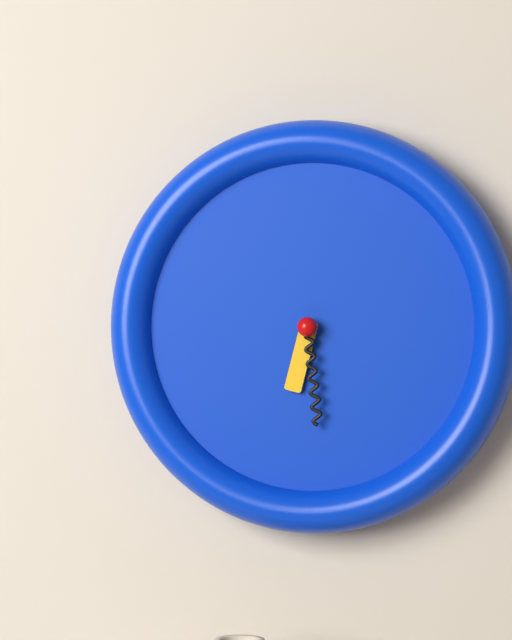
6:29
